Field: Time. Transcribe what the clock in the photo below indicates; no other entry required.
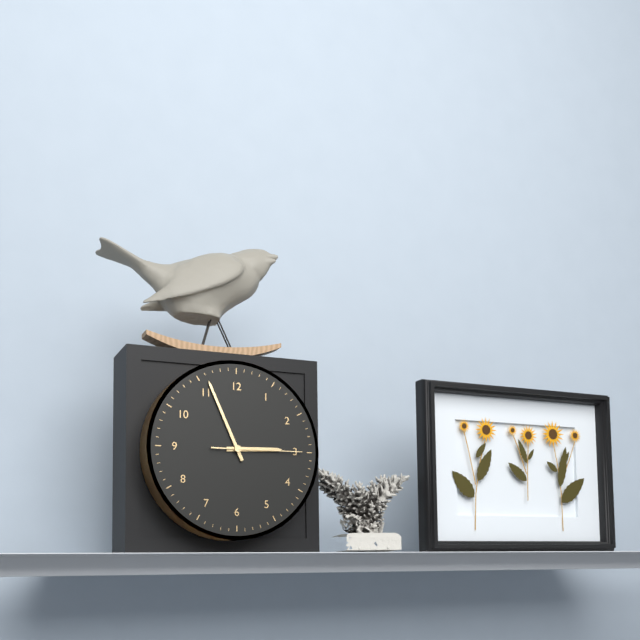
2:56:15
